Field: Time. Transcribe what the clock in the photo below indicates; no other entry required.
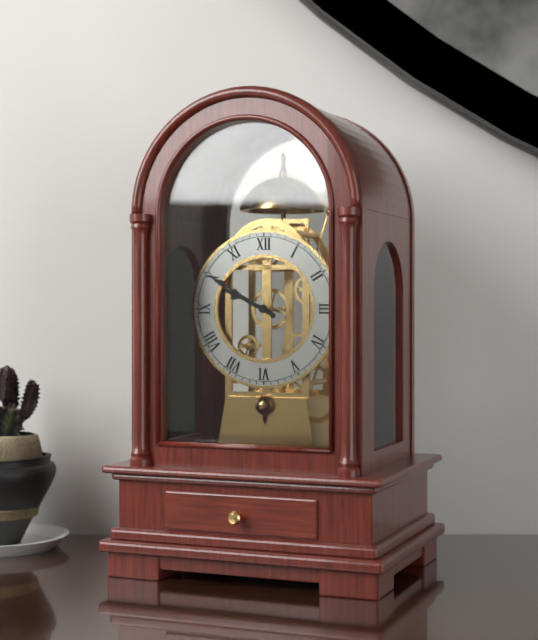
9:50
